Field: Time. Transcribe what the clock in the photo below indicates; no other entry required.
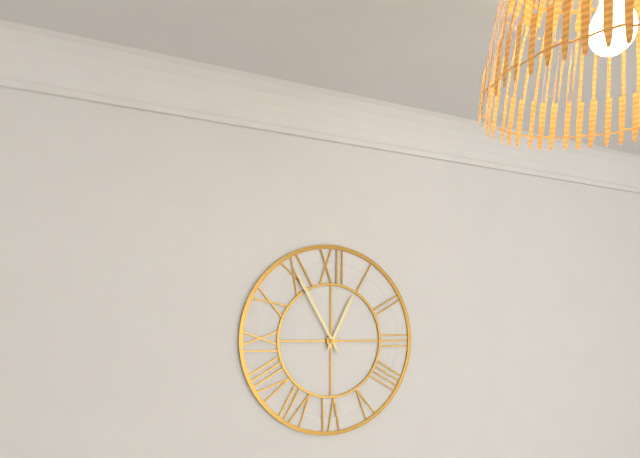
12:55
